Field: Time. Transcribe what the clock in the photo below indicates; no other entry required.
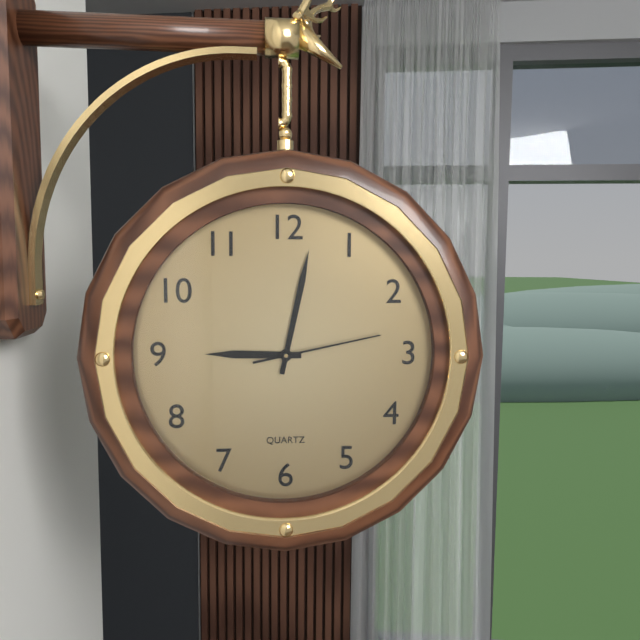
9:02:13
